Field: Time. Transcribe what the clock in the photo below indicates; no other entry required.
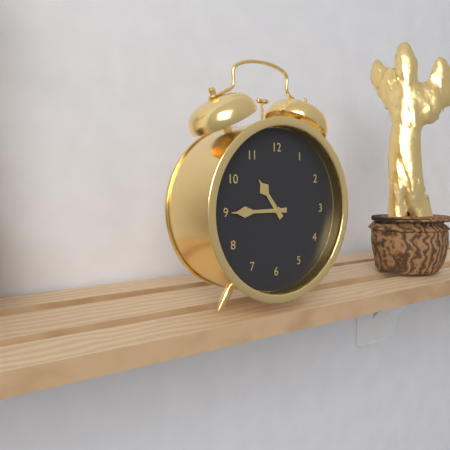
10:45
